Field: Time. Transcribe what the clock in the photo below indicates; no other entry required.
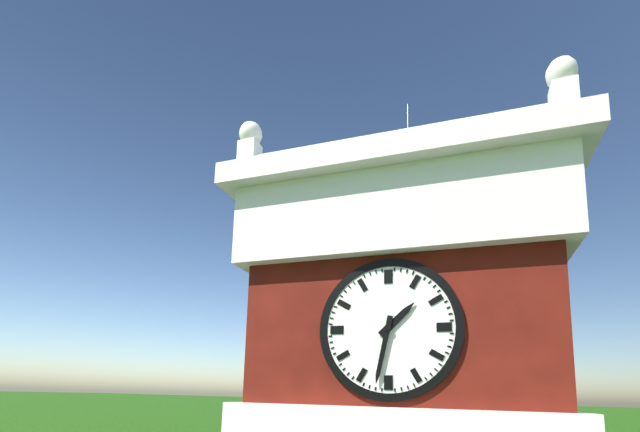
1:32
